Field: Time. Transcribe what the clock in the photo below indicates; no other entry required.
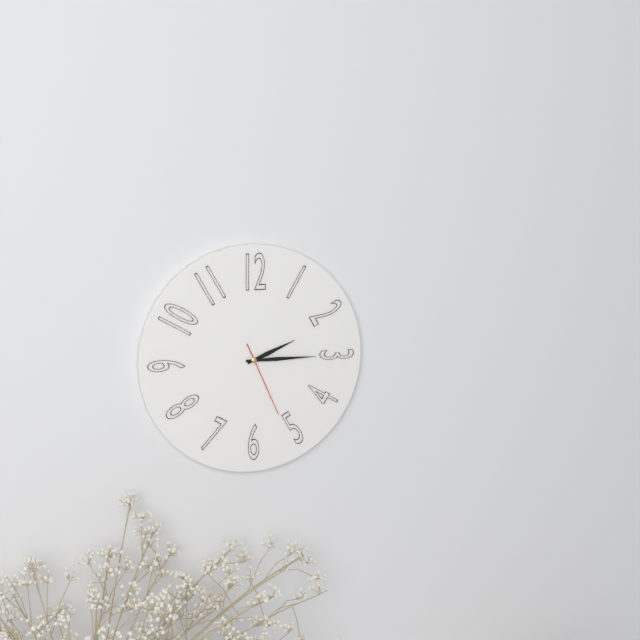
2:15:26
